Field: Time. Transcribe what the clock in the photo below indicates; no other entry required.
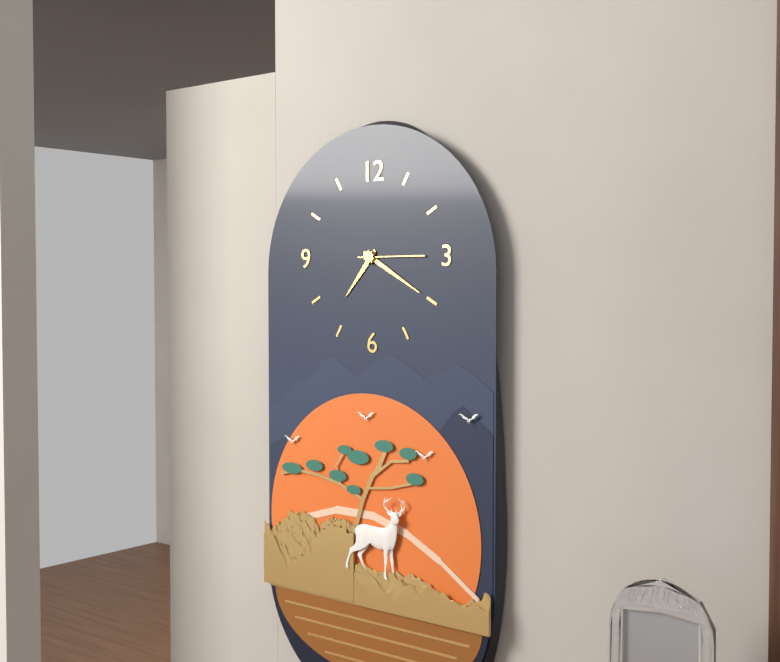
7:20:15
